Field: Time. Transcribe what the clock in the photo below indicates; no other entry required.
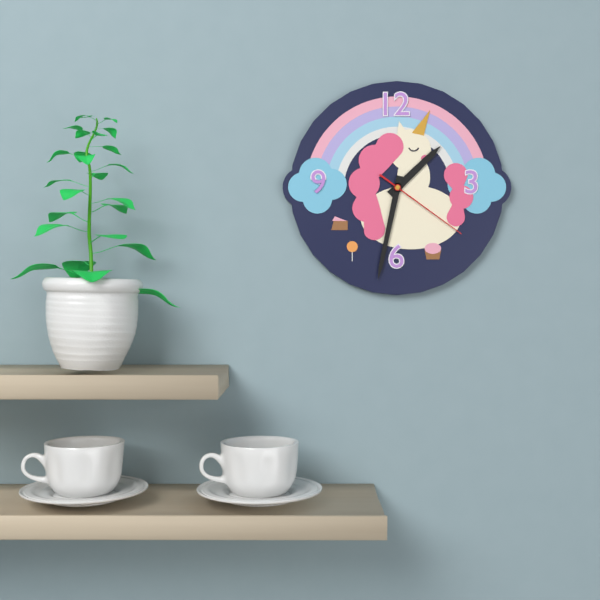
1:32:21
